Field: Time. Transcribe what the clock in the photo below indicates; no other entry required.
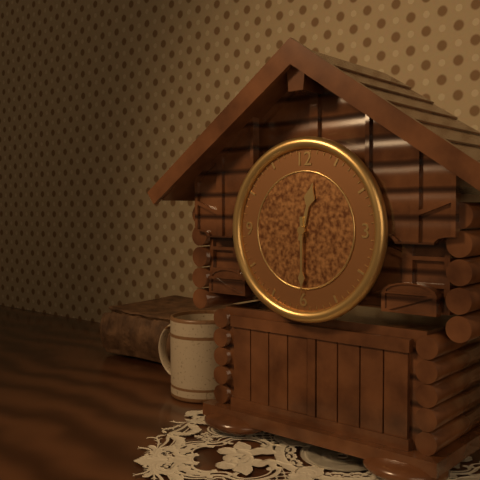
12:30
